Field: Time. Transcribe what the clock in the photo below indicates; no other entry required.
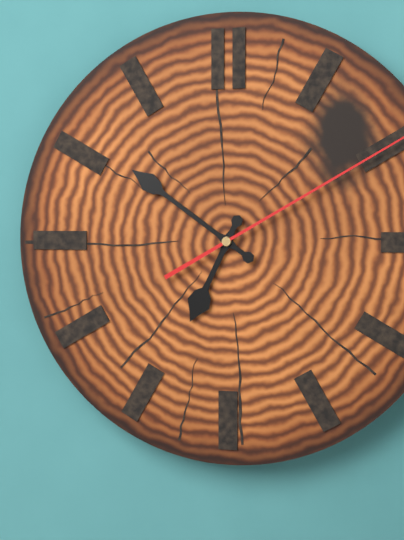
6:51
